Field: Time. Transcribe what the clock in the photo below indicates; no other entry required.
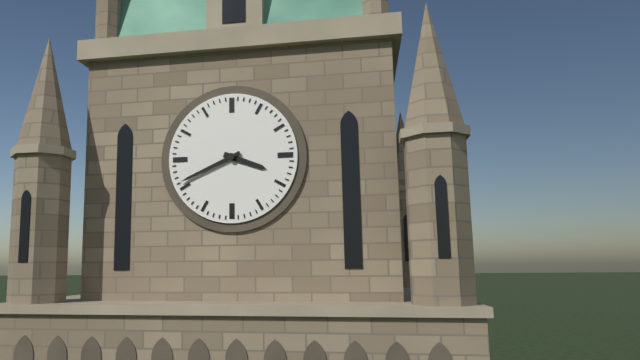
3:41
